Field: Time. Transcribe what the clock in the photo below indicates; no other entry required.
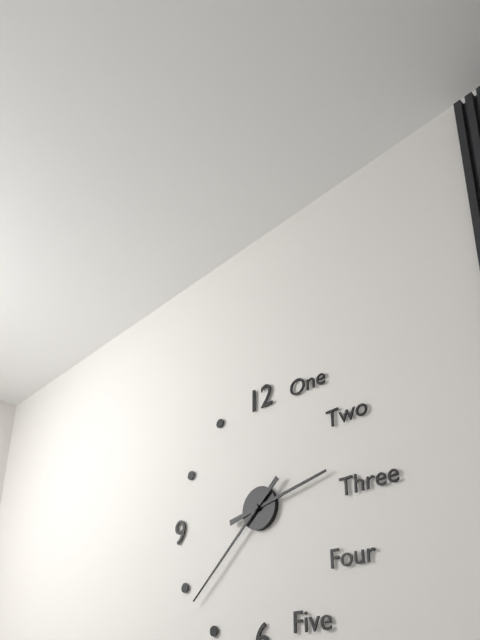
2:38
